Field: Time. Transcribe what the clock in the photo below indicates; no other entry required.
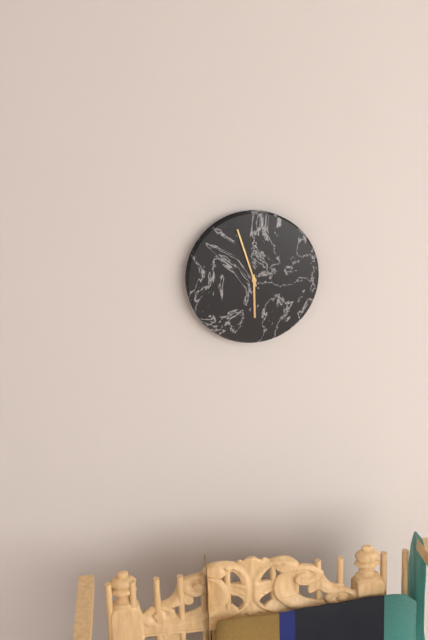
5:57
